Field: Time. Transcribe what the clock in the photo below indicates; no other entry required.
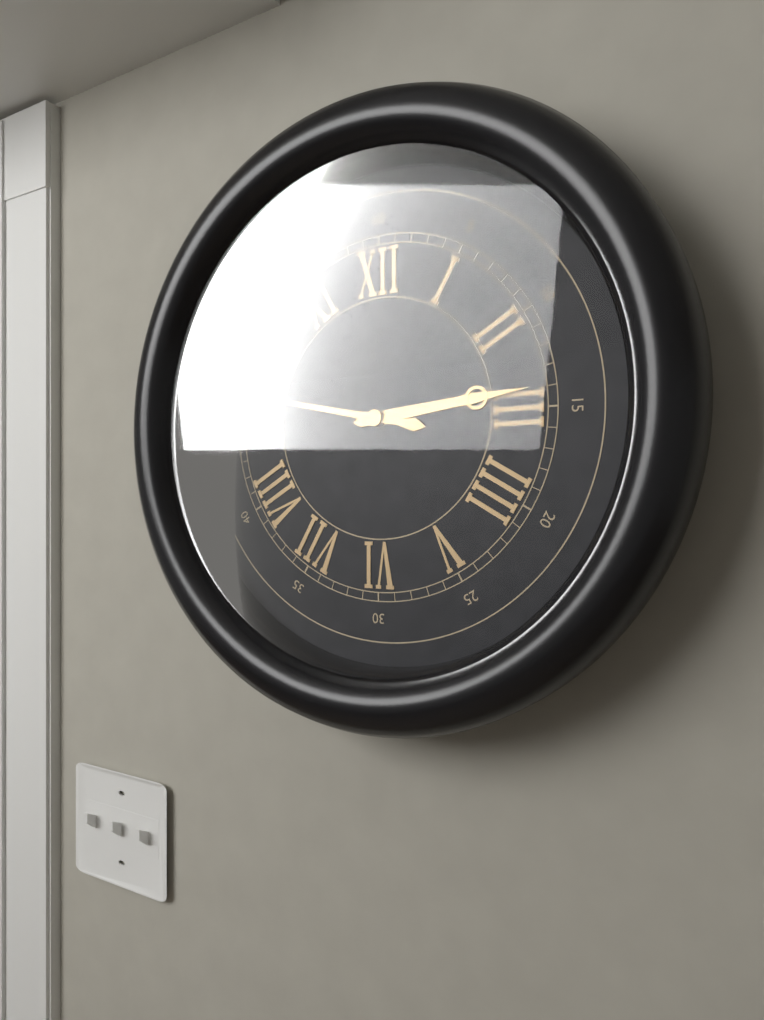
2:47
